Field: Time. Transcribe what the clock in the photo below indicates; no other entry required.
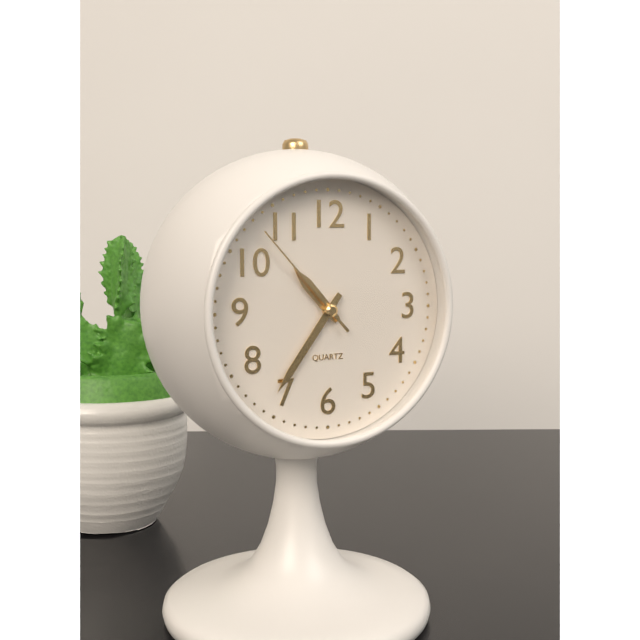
10:36:53
